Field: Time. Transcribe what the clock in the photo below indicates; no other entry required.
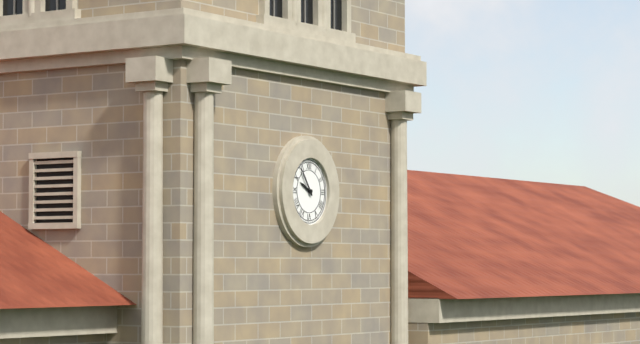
9:54
